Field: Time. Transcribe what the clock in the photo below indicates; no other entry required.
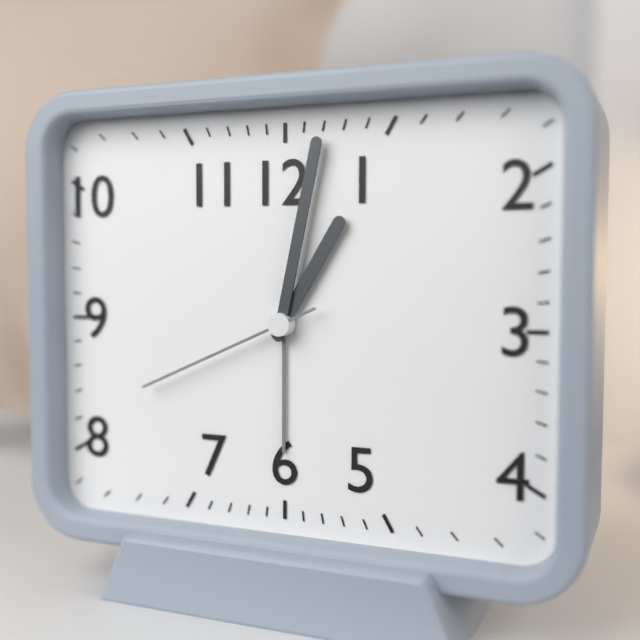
1:02:41
